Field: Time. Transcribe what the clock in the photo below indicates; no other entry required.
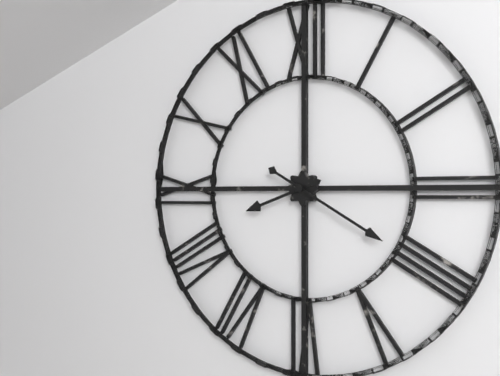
8:20
